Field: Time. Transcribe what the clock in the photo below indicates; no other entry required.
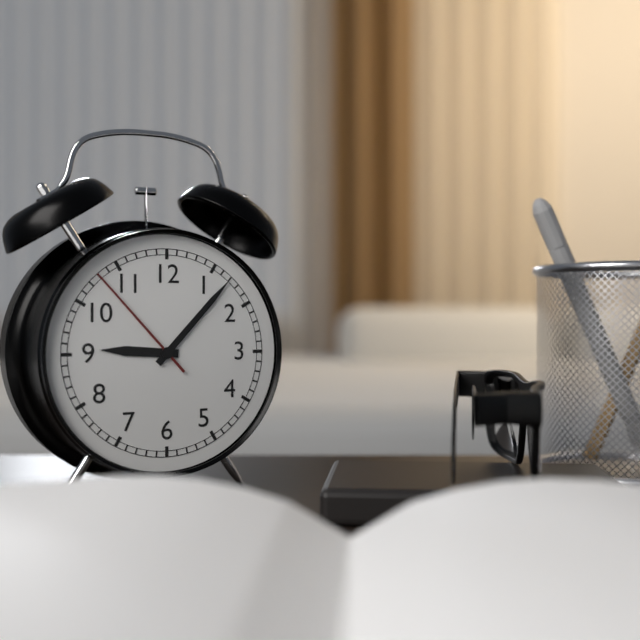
9:07:53
